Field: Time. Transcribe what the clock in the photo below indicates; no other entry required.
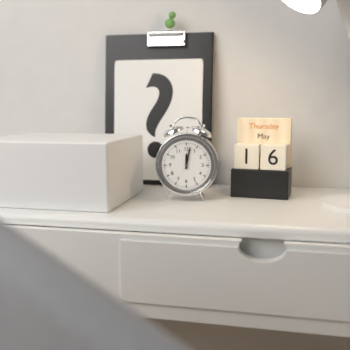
12:02
